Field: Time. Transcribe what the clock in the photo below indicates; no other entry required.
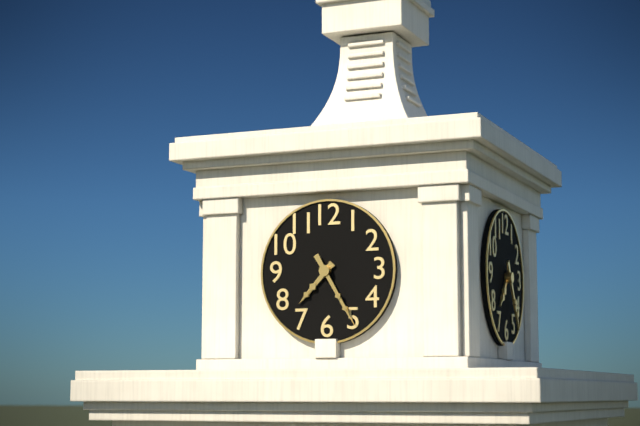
7:25
